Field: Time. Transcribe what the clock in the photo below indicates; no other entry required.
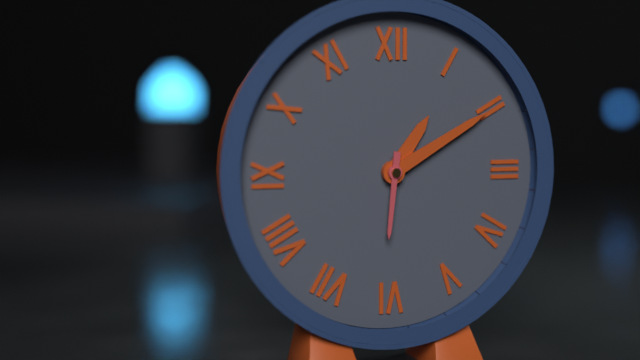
1:10:31
